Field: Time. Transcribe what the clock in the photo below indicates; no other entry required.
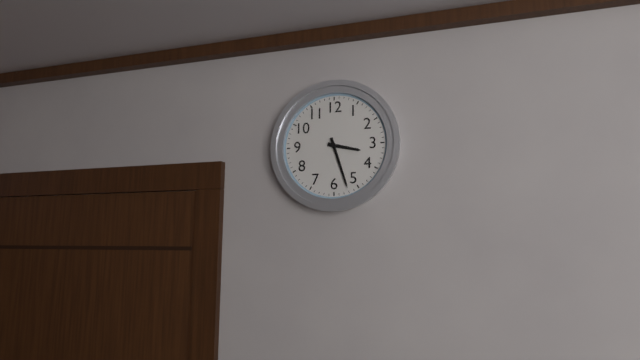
3:27
